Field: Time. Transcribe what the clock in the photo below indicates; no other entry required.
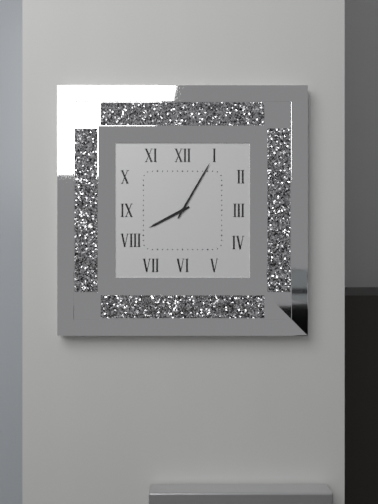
8:05
